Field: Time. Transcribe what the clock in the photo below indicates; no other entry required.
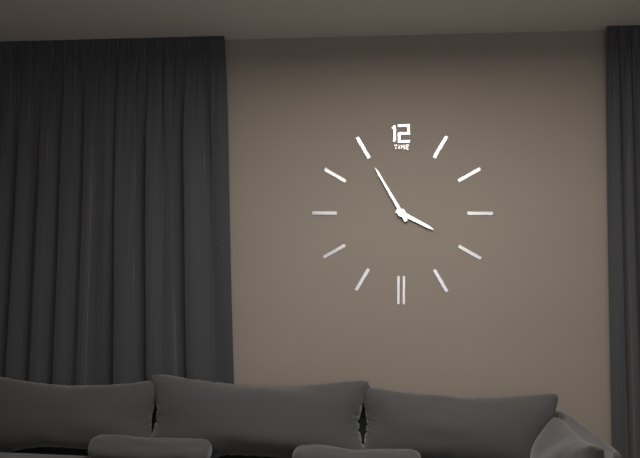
3:55
